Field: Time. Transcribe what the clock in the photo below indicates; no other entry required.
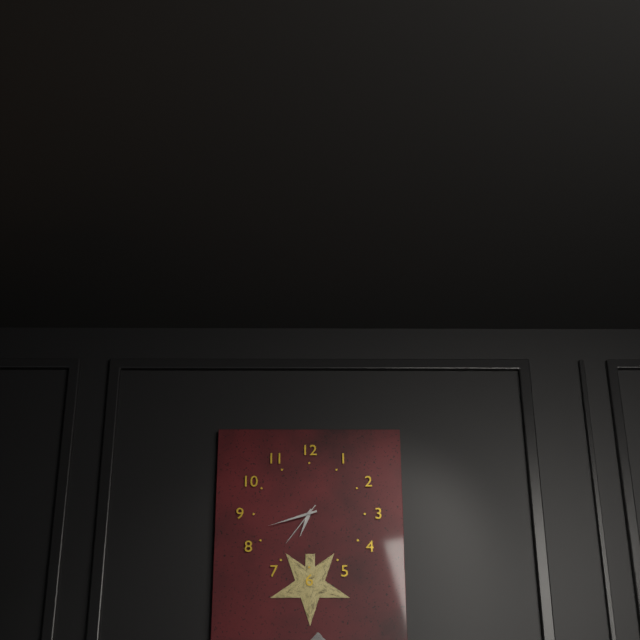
6:42
